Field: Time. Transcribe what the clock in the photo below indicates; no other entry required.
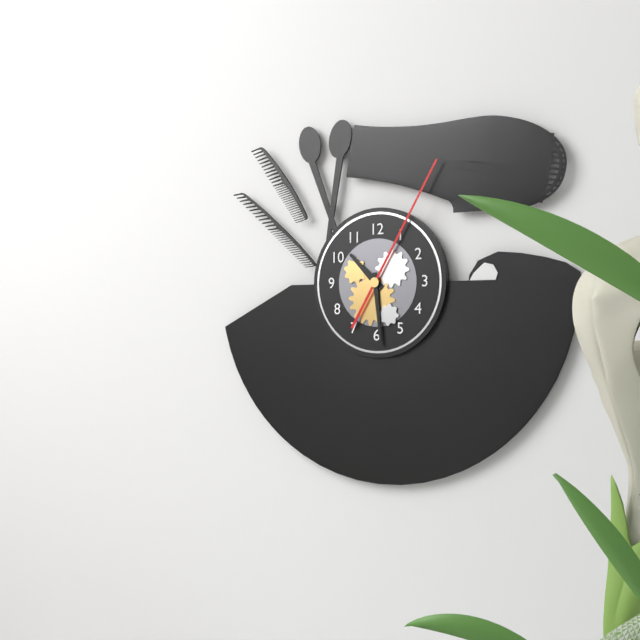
10:29:05
